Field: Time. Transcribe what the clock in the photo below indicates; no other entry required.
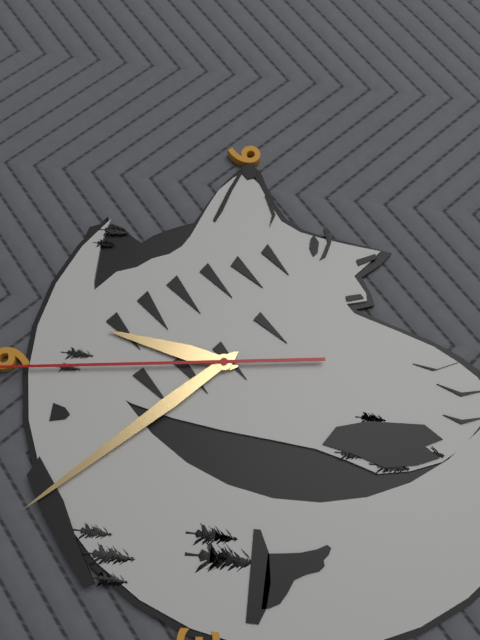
6:23
